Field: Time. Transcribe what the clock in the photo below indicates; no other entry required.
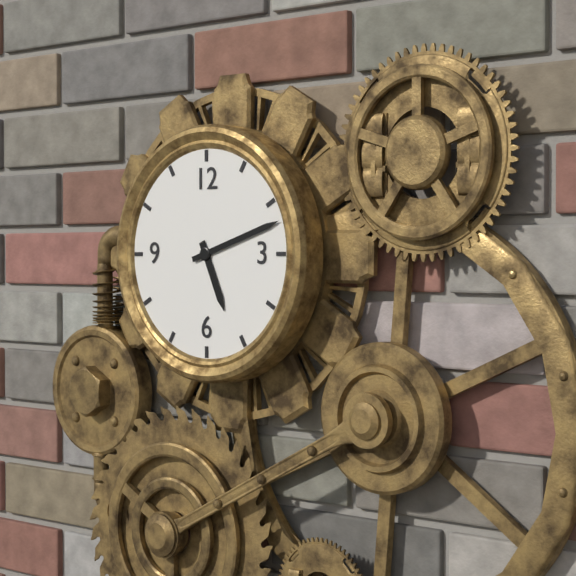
5:12
